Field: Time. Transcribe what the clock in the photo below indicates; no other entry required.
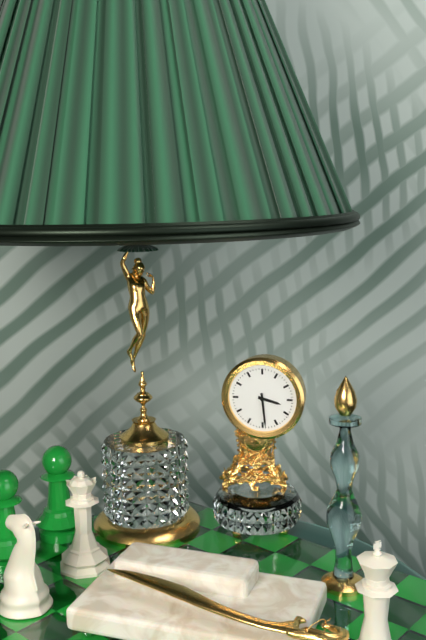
3:29
